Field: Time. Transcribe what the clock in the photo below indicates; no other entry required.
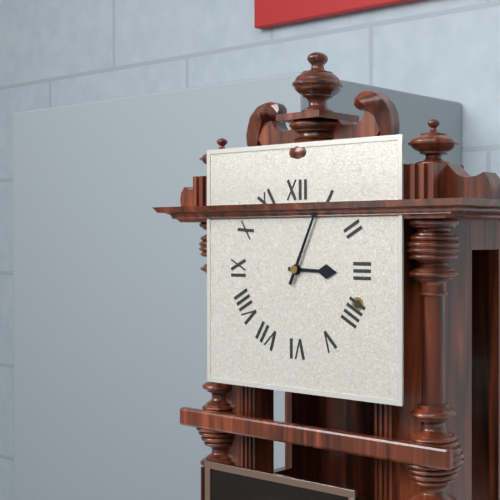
3:04
